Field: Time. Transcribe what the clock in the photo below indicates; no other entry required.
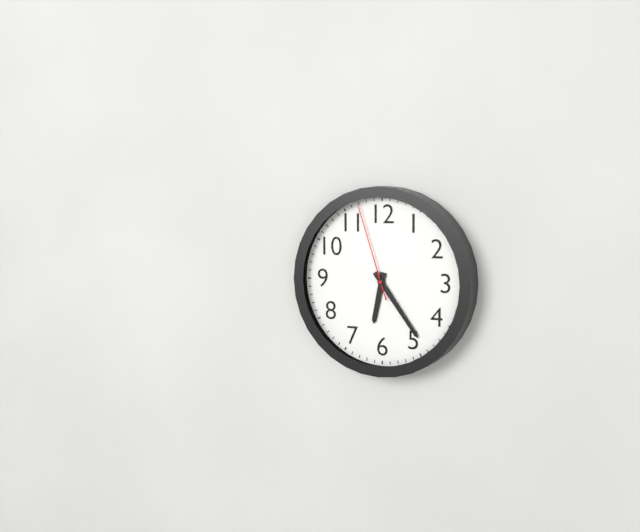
6:24:57
